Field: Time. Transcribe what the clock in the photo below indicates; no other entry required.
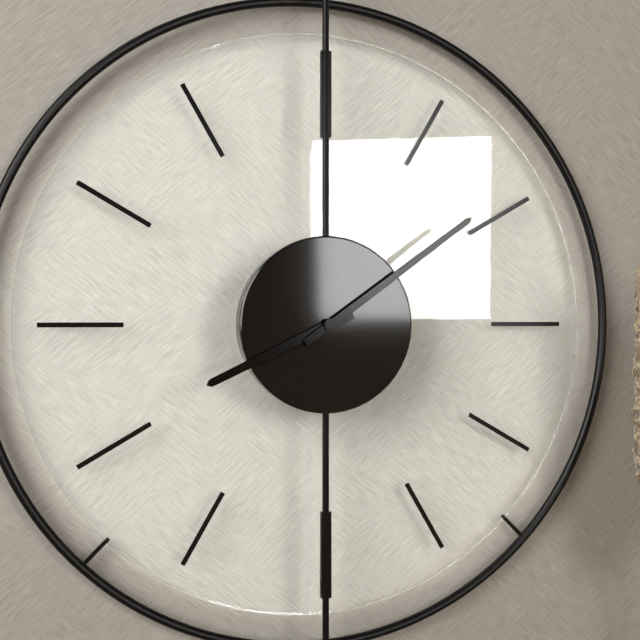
8:09
